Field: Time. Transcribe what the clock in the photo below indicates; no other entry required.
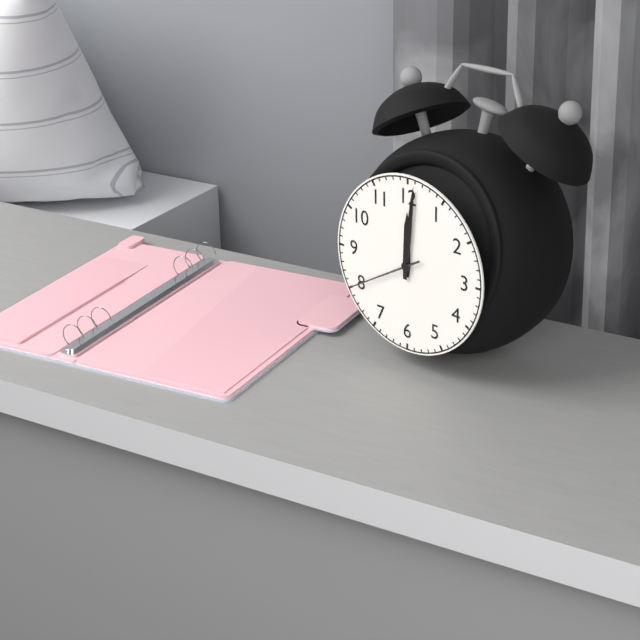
12:01:40
